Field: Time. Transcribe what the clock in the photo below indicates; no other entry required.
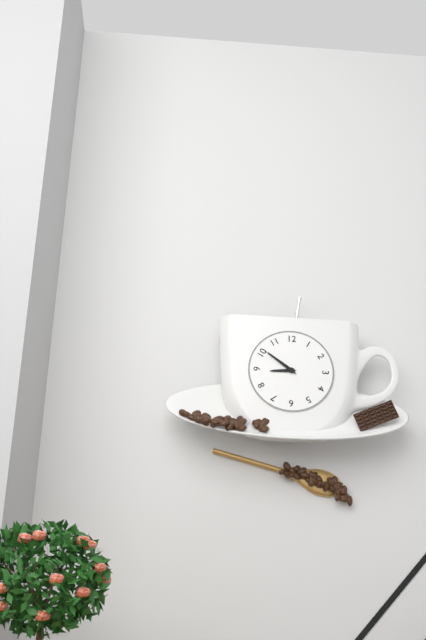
8:51
